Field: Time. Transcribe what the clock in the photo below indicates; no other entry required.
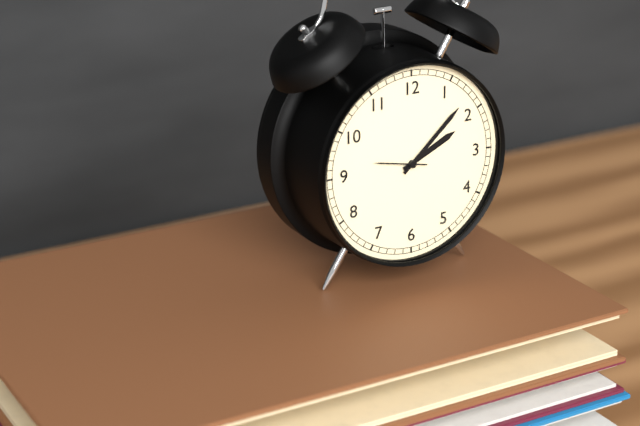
2:08
